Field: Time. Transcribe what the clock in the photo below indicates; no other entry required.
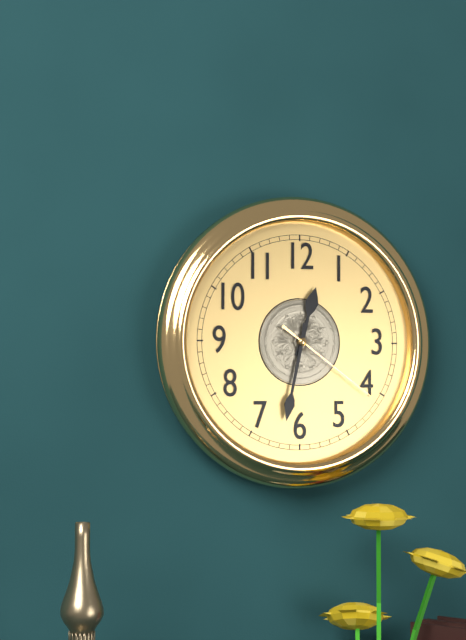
12:32:21
